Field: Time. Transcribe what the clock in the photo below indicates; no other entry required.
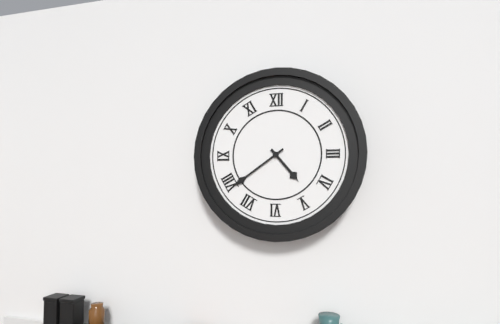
4:39
